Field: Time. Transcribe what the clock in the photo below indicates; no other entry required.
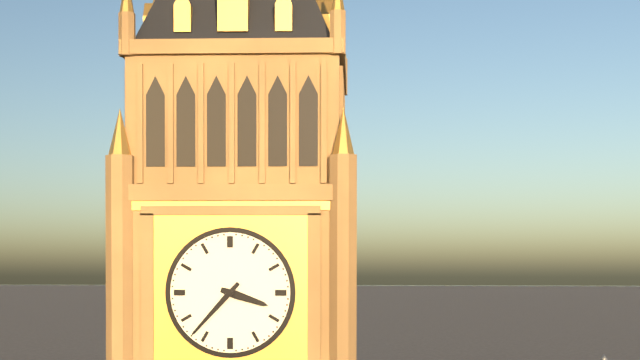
3:37
